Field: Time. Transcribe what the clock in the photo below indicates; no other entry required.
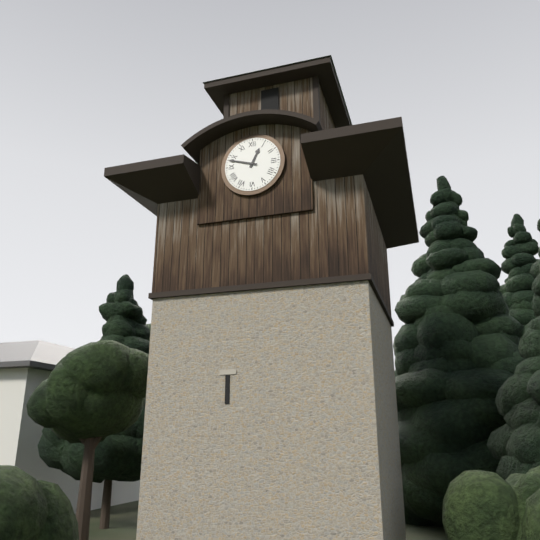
12:48
